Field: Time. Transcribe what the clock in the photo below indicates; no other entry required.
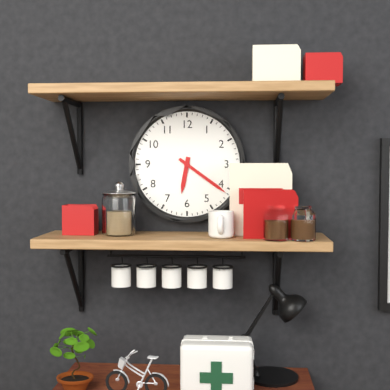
6:21
